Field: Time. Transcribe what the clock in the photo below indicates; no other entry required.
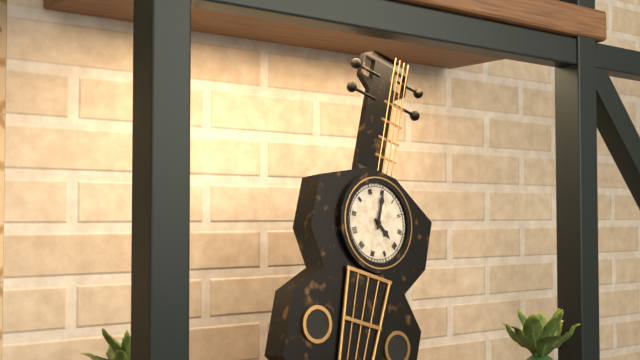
4:00
